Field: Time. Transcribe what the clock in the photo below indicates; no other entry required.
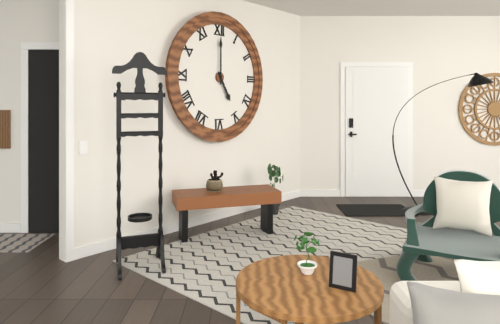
5:00
